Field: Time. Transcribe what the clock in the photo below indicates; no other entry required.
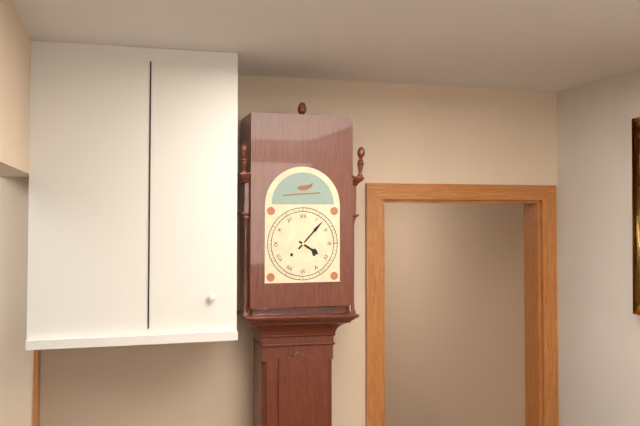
4:07
